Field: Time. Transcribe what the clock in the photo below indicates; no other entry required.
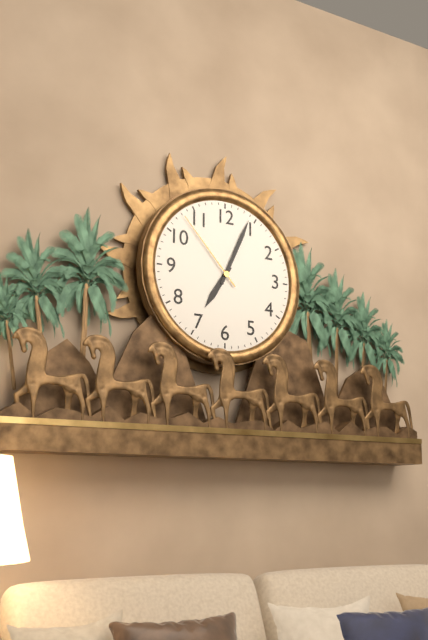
7:04:53
